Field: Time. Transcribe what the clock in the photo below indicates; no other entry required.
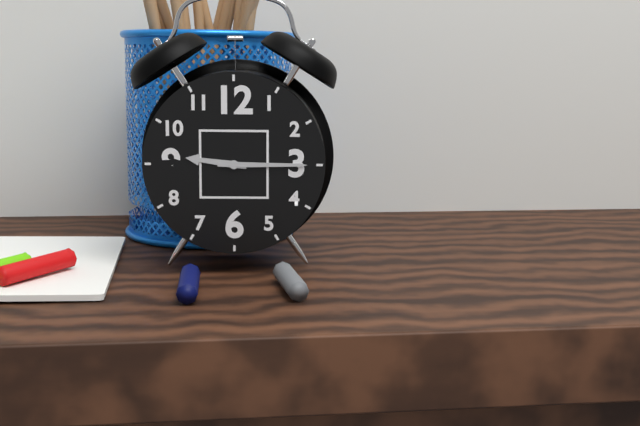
9:15
